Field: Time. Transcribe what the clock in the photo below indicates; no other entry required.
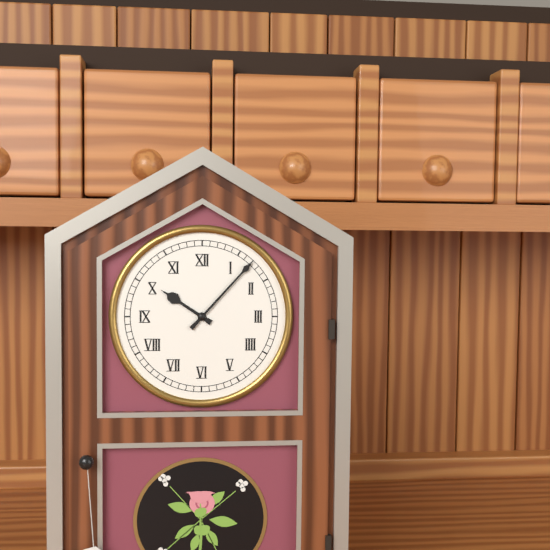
10:07
